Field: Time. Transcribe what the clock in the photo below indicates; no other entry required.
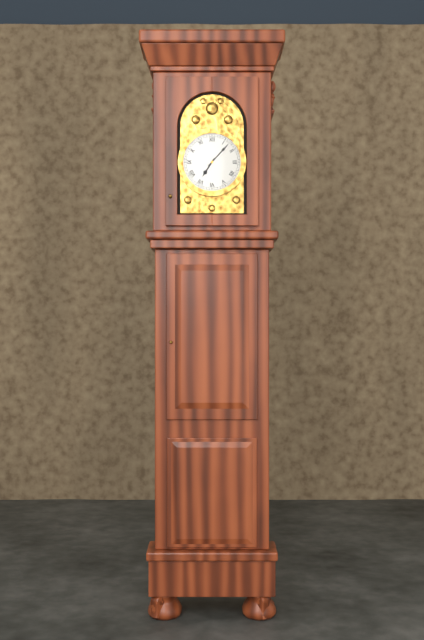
7:07
